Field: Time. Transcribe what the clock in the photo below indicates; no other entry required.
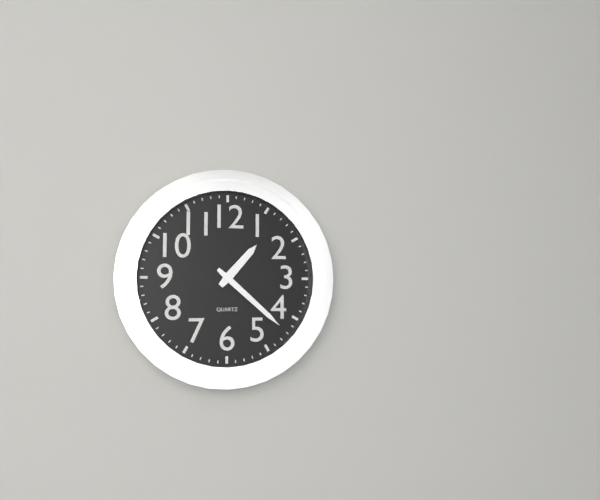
1:22
